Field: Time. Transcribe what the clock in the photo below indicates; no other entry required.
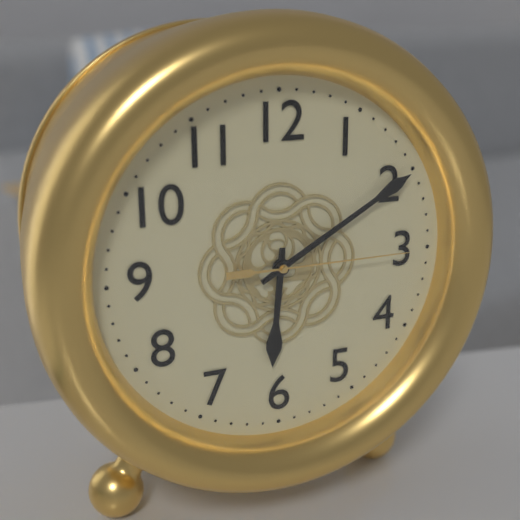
6:10:15
